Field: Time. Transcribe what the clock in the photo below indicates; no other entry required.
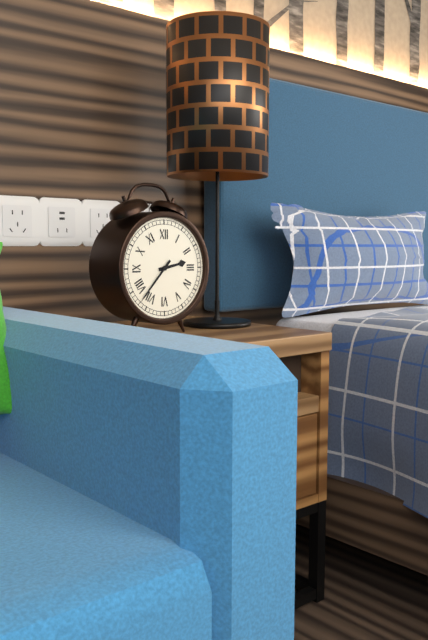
2:37
